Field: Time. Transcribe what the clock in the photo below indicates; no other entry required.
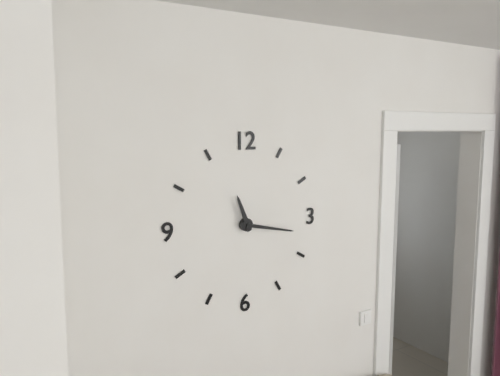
11:17
